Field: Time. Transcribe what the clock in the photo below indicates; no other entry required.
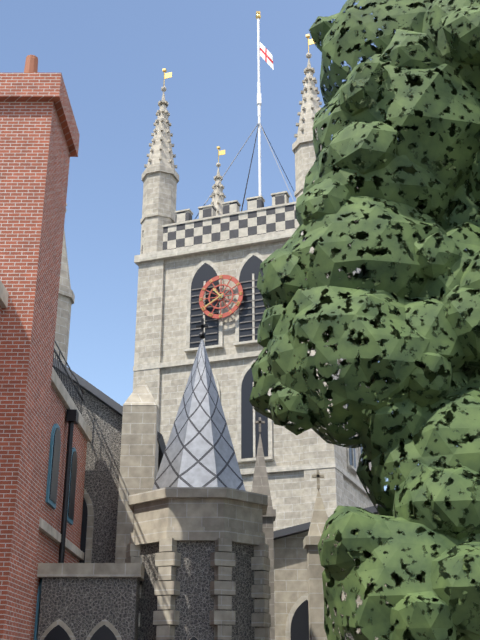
10:40
